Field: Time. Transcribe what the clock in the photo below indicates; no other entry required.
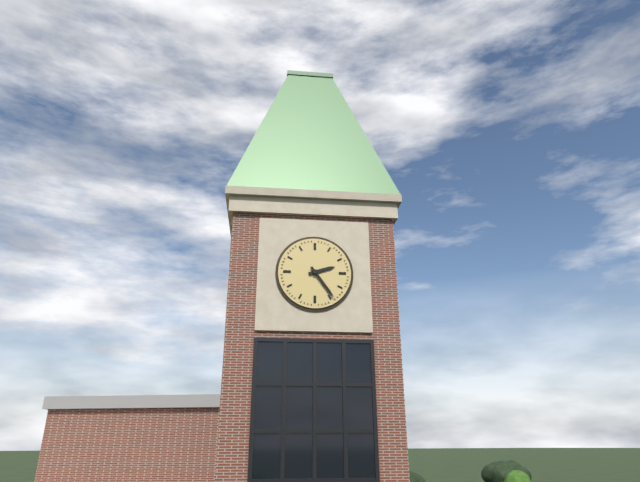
2:24
